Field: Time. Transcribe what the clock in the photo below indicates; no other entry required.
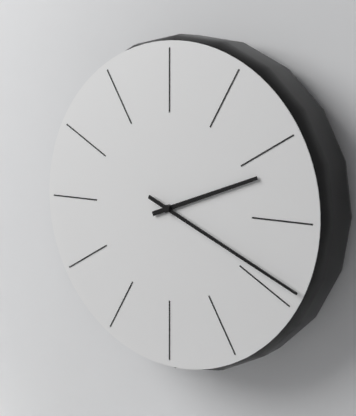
2:19
